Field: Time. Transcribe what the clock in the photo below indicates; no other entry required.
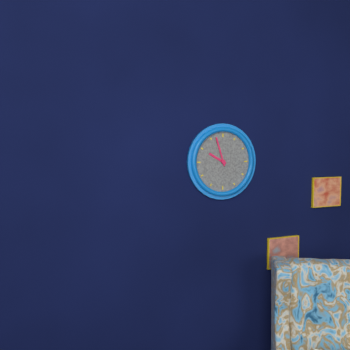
9:57
